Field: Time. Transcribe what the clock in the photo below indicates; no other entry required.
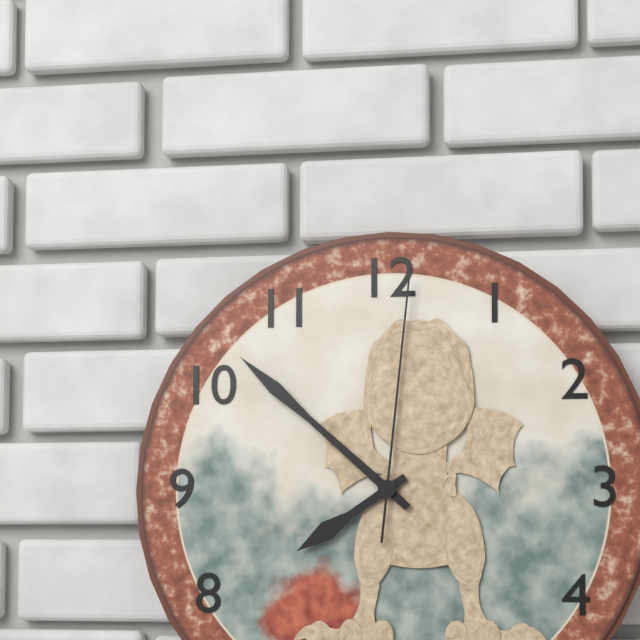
7:52:01
